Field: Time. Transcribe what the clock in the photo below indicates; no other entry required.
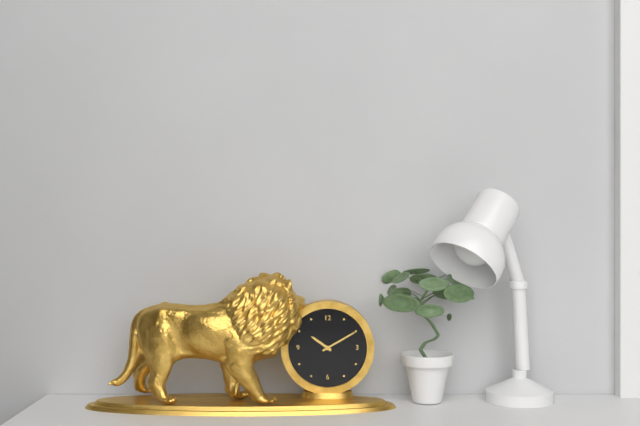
10:10
